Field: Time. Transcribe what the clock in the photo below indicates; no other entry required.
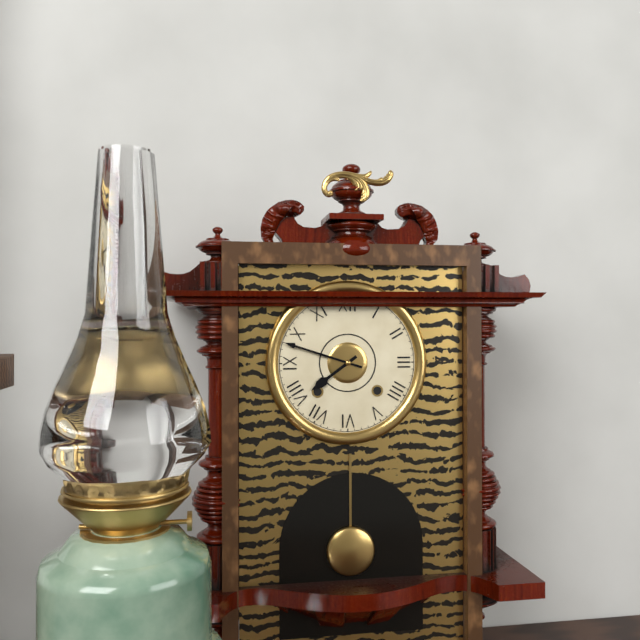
7:48
